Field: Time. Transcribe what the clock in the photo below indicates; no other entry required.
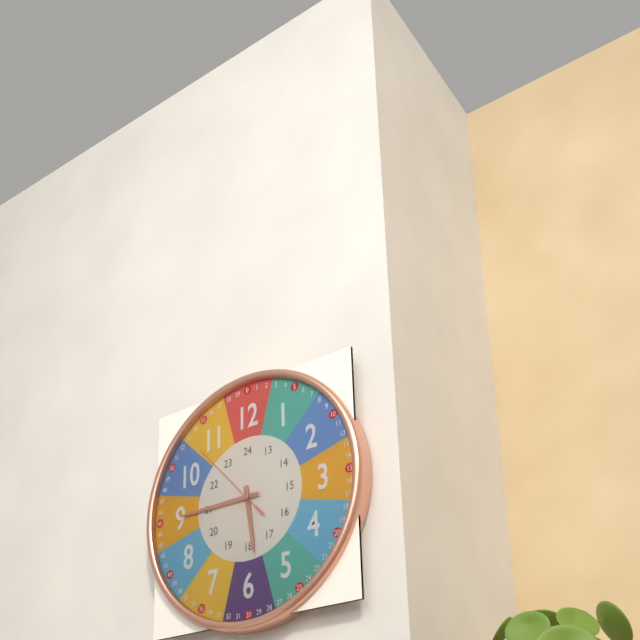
5:45:53
